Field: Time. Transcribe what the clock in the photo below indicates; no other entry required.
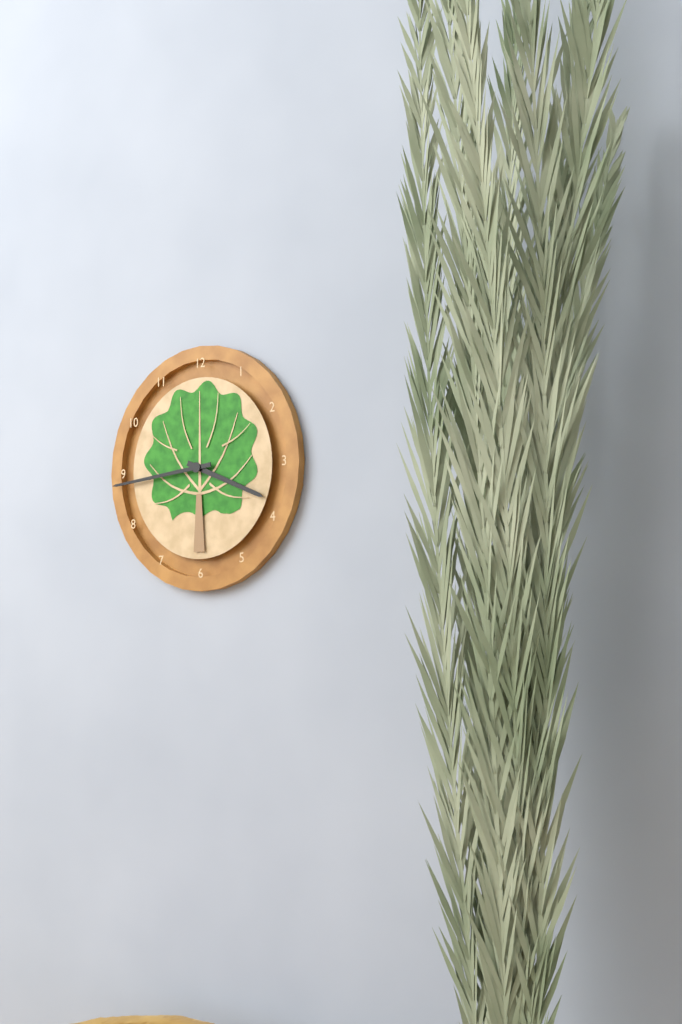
3:44
